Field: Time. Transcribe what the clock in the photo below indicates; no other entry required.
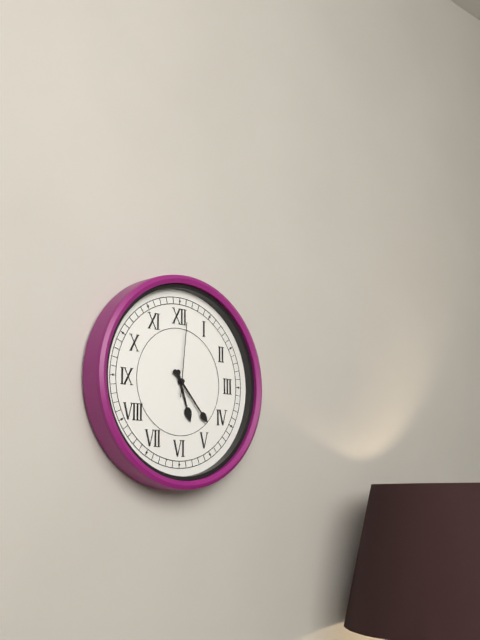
5:23:01
